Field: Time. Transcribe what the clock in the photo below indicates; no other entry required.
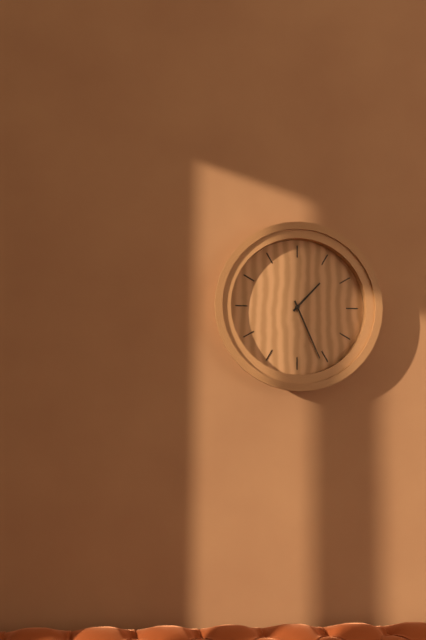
1:26
